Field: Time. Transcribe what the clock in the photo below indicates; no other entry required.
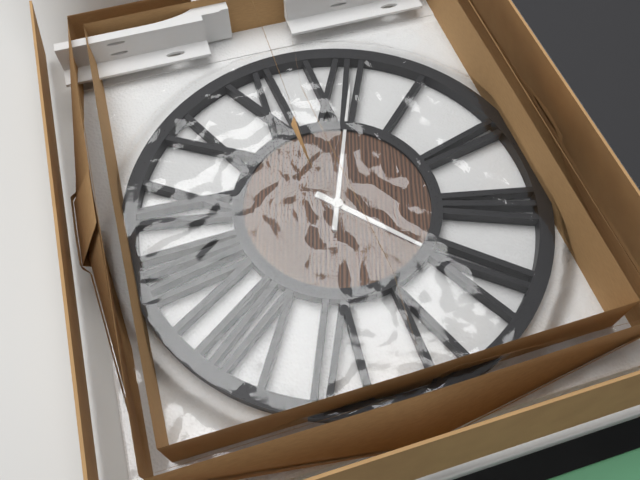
4:01
